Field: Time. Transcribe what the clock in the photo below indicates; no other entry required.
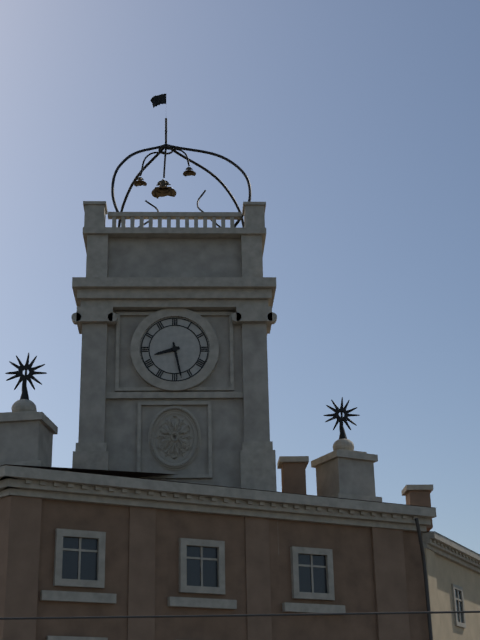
8:28
